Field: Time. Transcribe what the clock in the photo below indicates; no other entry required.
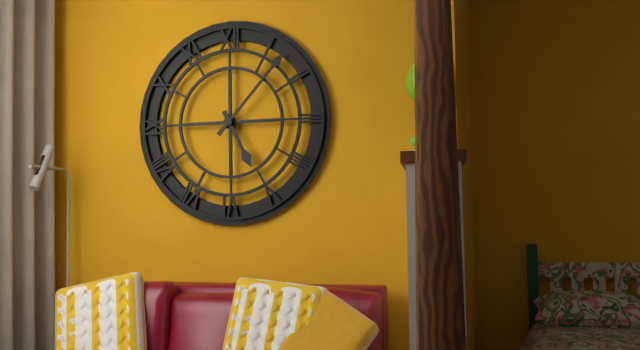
5:07
